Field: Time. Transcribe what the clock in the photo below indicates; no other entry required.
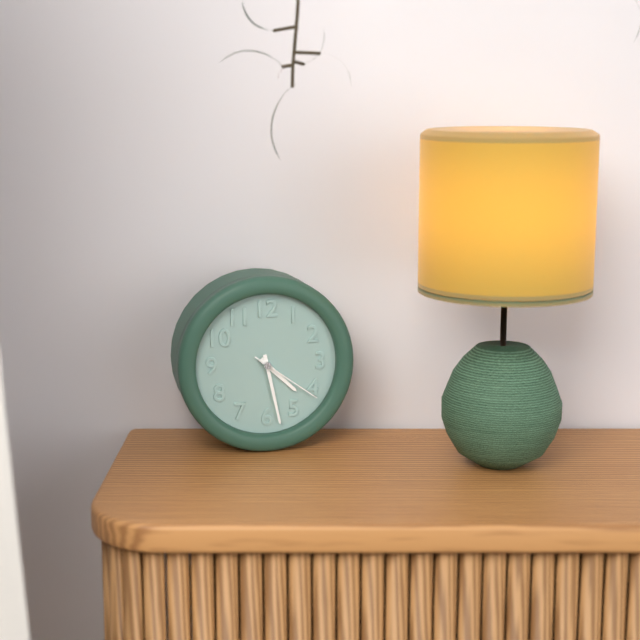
4:28:21
